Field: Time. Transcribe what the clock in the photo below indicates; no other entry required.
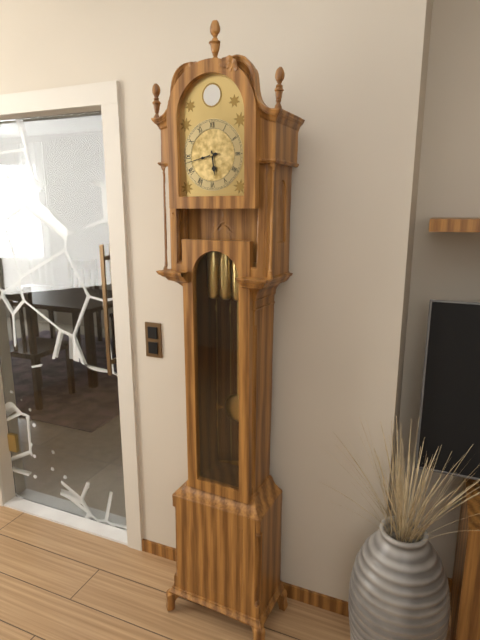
5:43
